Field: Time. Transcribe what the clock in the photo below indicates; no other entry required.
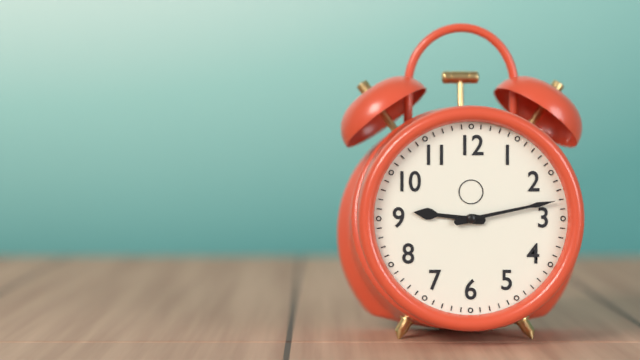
9:13
